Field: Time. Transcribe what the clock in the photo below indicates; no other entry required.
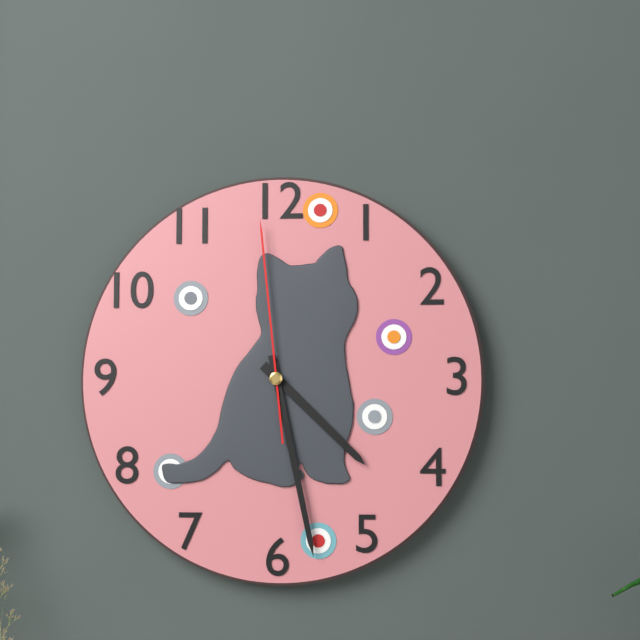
4:28:59
